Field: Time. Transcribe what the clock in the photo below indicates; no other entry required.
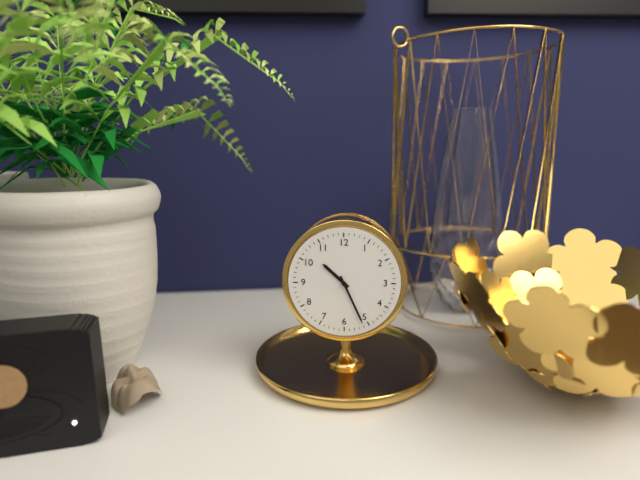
10:26
